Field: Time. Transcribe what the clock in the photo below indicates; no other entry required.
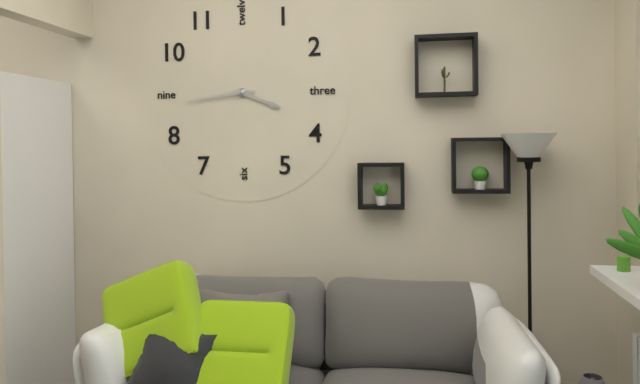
3:44
